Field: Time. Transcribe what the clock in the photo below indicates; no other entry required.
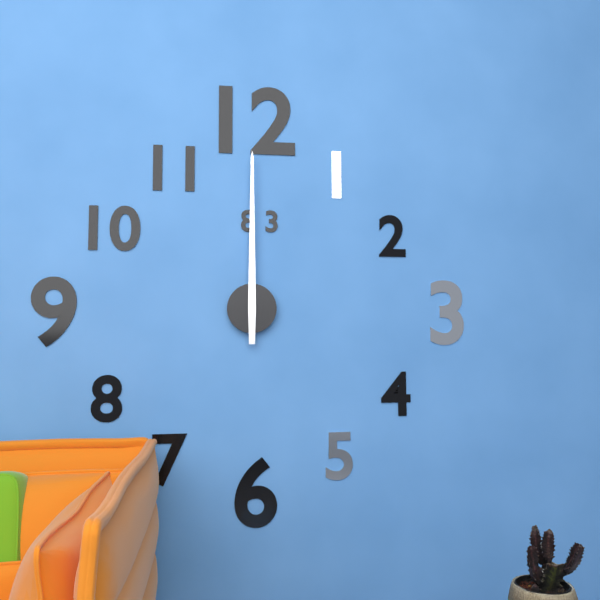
12:00
